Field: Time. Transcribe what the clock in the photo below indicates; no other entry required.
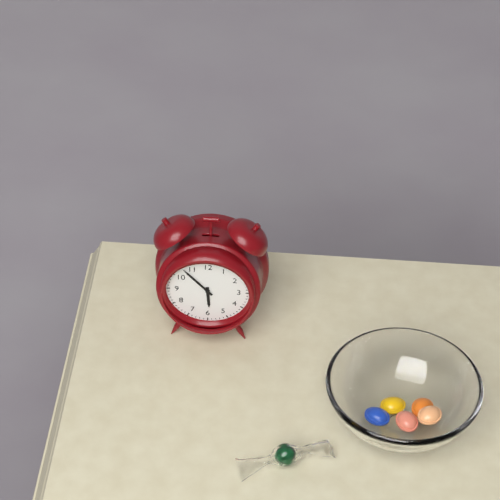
5:53
